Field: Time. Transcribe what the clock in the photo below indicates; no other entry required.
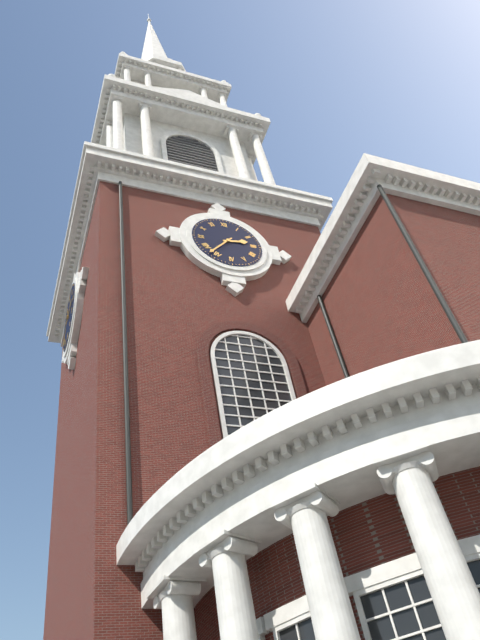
2:37
